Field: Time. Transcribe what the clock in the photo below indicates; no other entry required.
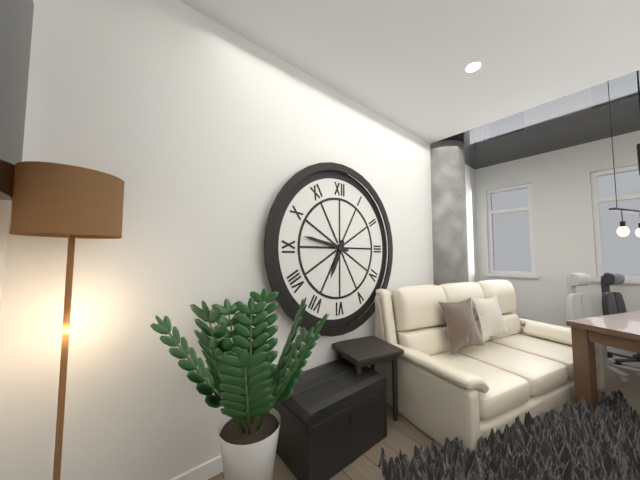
6:47
